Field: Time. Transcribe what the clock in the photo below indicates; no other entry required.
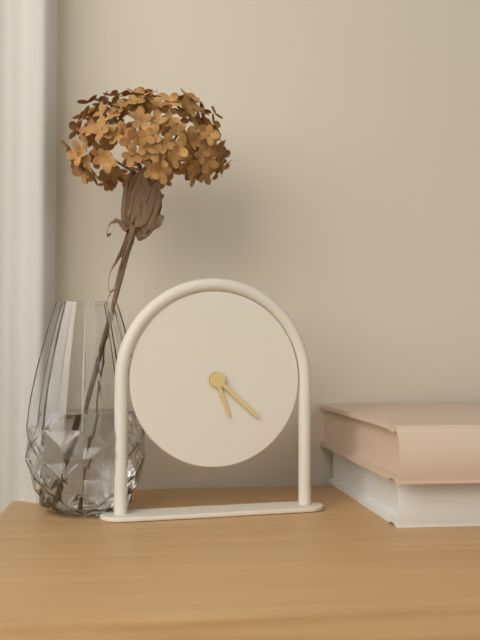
5:22
